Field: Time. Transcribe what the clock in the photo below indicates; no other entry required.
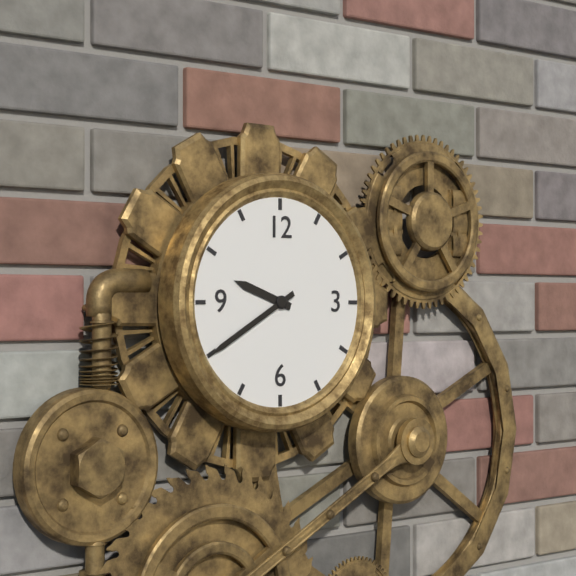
9:40
